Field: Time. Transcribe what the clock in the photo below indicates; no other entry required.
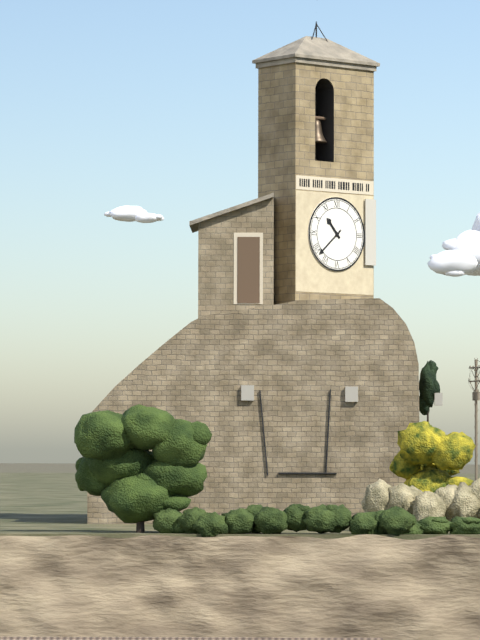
10:38
